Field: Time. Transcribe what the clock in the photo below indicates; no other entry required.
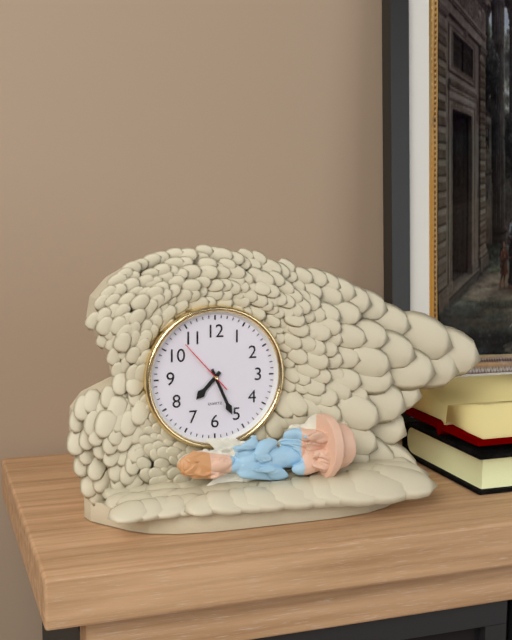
7:26:53
